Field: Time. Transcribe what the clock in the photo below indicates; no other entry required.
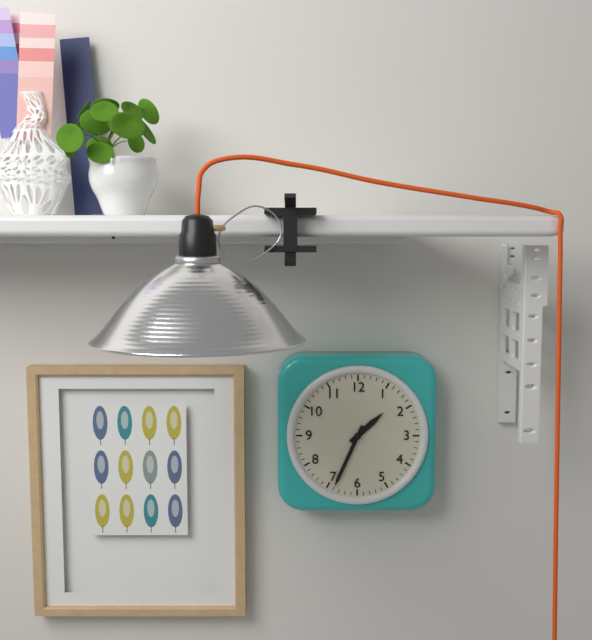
1:34
